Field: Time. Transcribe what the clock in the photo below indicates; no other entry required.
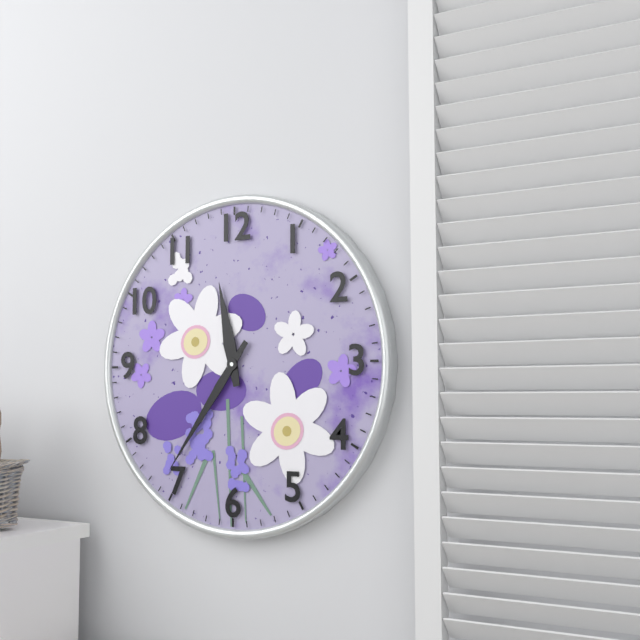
11:36
